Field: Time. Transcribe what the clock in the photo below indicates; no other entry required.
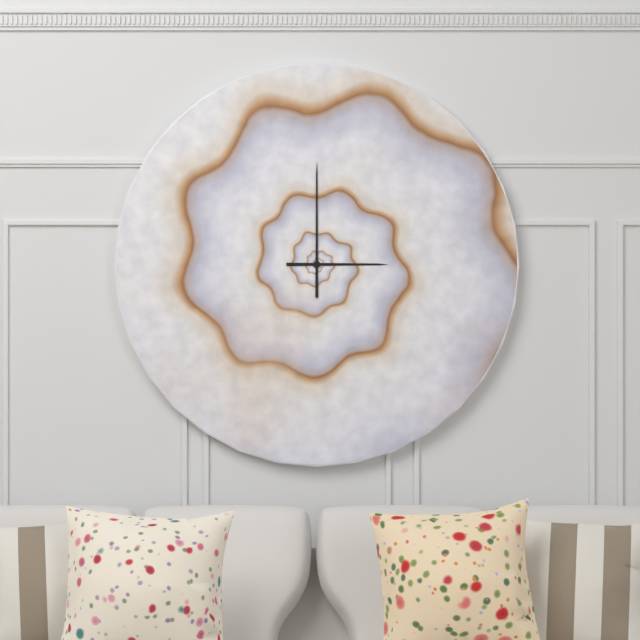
3:00
